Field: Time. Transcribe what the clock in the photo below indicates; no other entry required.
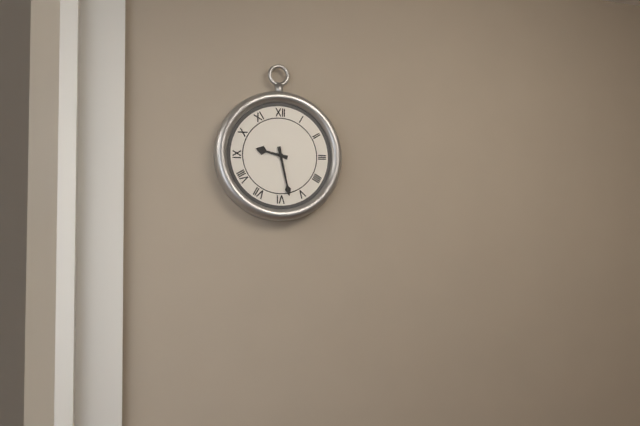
9:28
